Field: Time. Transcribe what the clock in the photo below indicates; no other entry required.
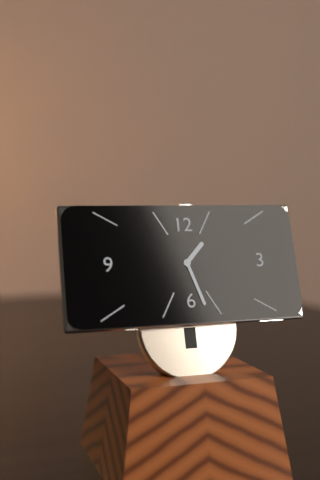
1:27
